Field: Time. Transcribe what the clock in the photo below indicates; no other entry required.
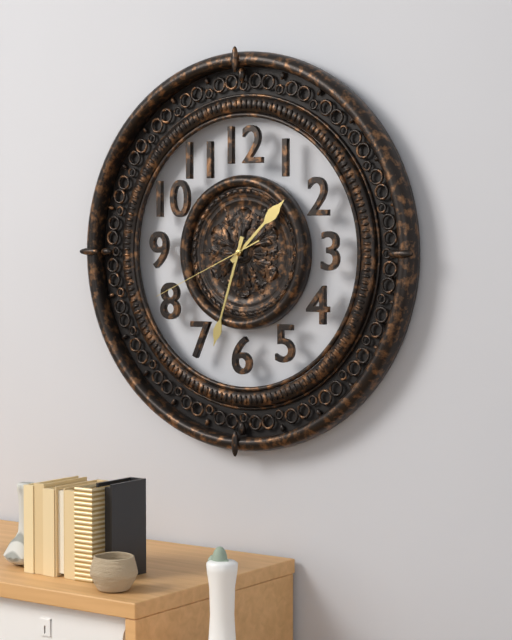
1:33:41
